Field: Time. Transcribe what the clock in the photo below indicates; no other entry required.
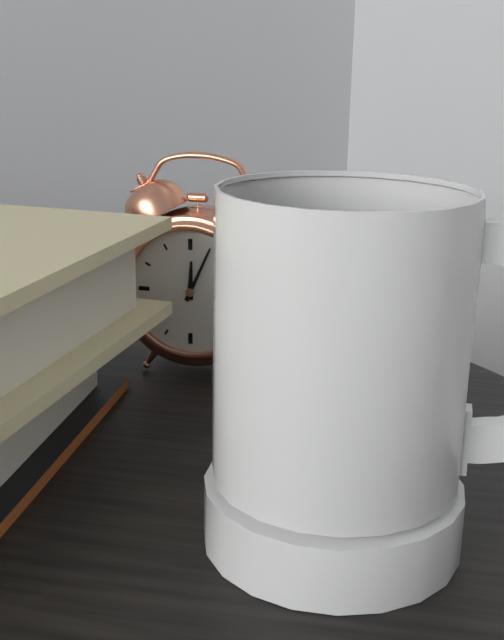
12:04
